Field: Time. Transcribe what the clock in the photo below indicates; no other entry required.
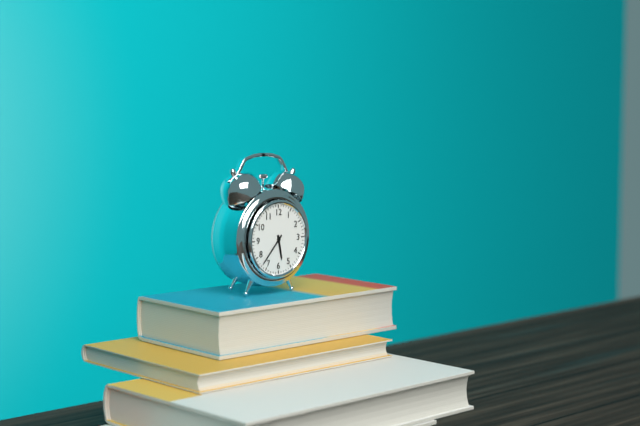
5:37
